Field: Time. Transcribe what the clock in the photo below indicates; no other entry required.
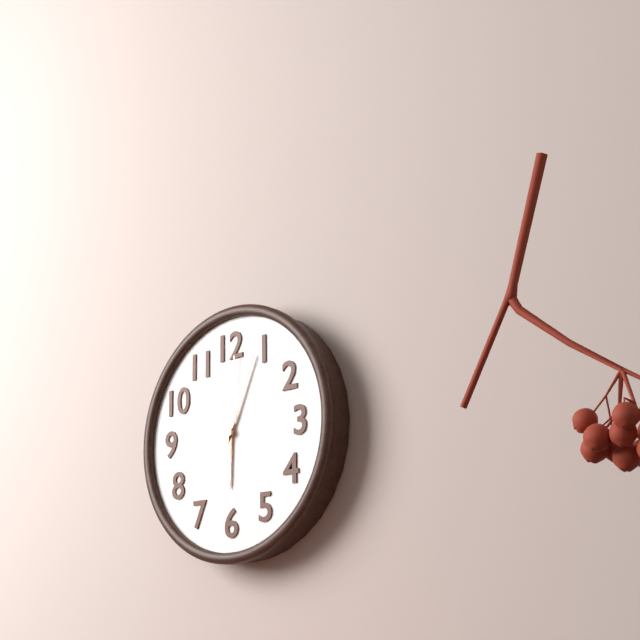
6:04:01
